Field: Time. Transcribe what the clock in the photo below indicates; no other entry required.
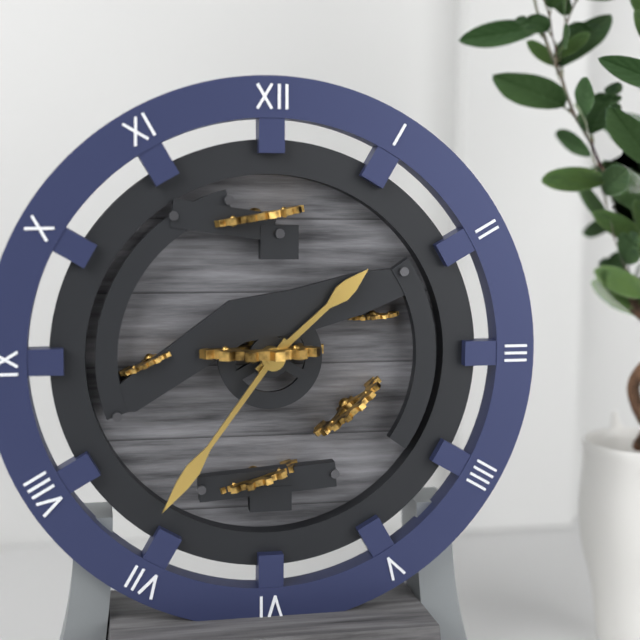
1:36
